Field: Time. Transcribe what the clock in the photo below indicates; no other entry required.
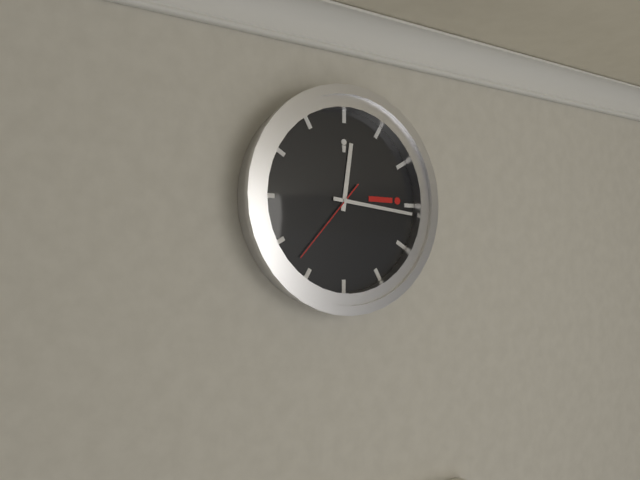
12:16:37
